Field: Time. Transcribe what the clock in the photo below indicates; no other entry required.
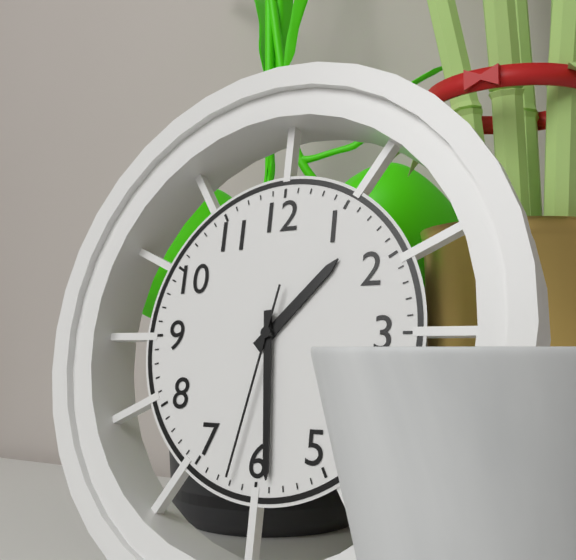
1:29:32
